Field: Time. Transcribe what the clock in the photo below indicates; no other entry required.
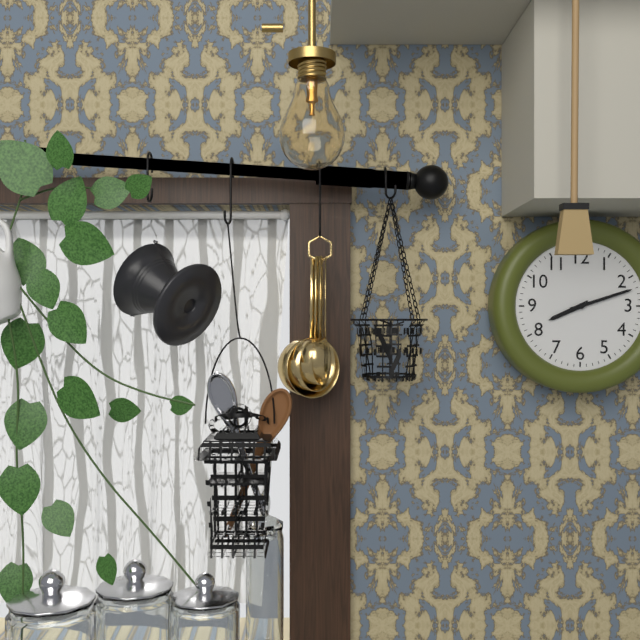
8:12
